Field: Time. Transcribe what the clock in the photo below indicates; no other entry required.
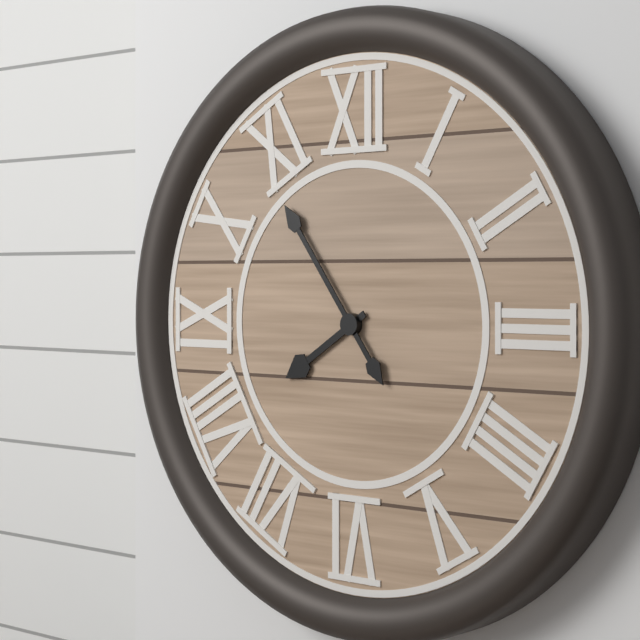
7:54
